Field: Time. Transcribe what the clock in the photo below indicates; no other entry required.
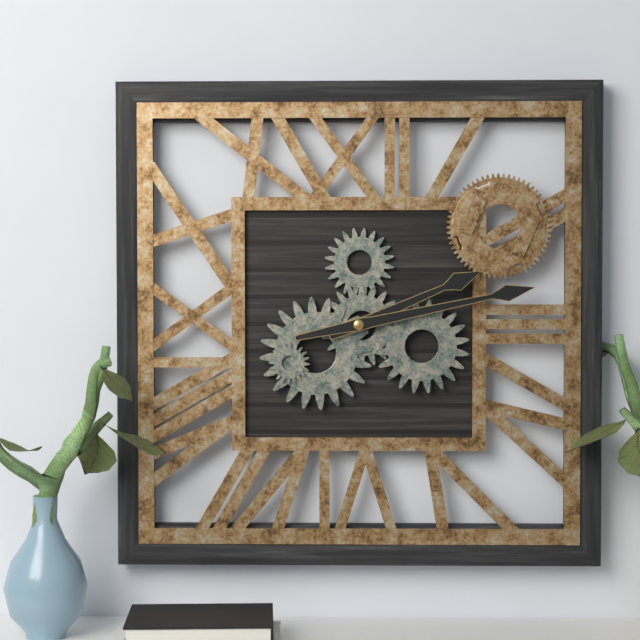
2:13
